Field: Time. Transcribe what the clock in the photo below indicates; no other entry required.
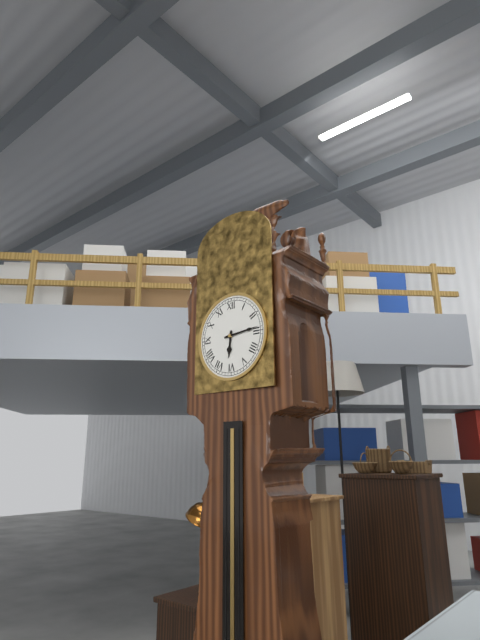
6:14
